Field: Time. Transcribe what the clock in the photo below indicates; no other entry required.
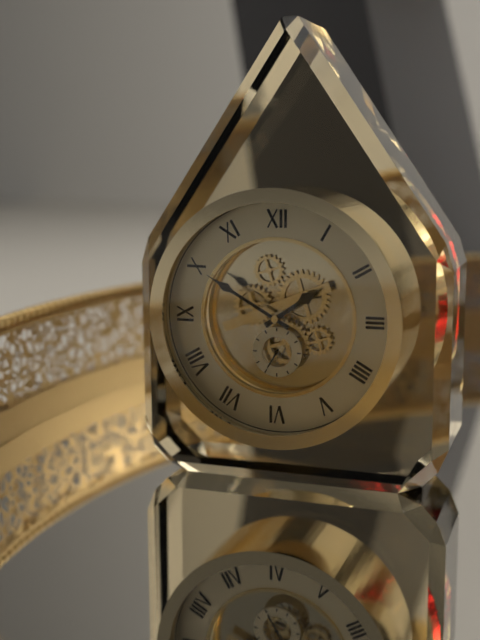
1:50
